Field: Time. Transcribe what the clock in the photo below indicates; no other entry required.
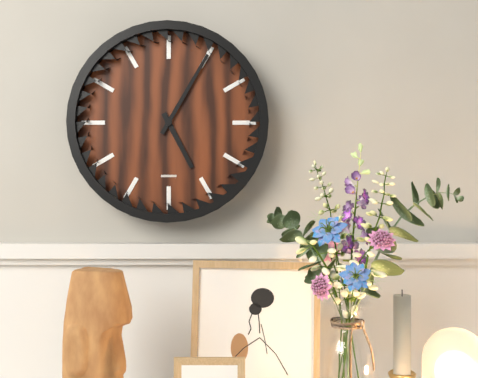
5:05
